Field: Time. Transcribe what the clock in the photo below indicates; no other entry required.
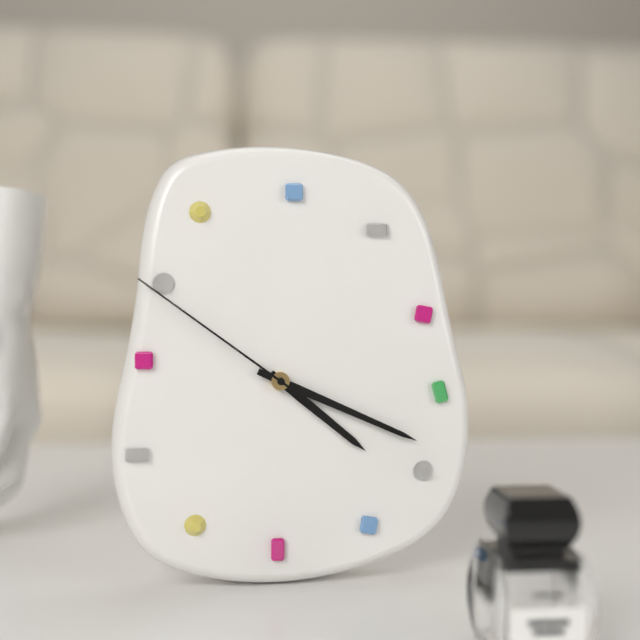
4:19:51
